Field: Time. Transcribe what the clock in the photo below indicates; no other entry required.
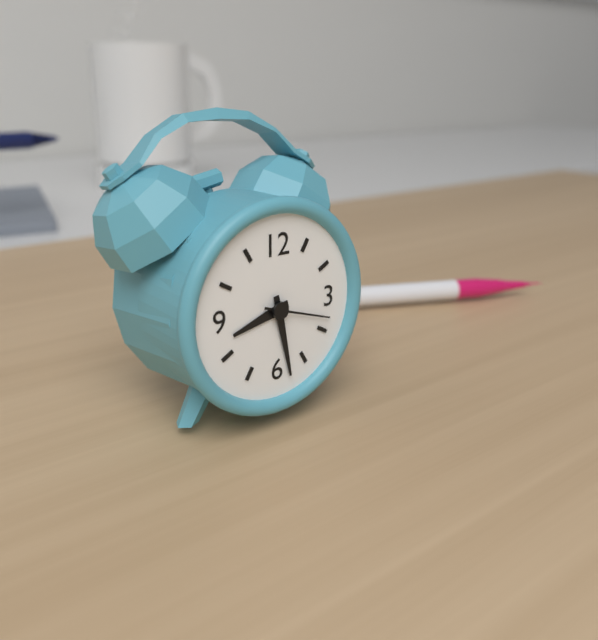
8:28:18
